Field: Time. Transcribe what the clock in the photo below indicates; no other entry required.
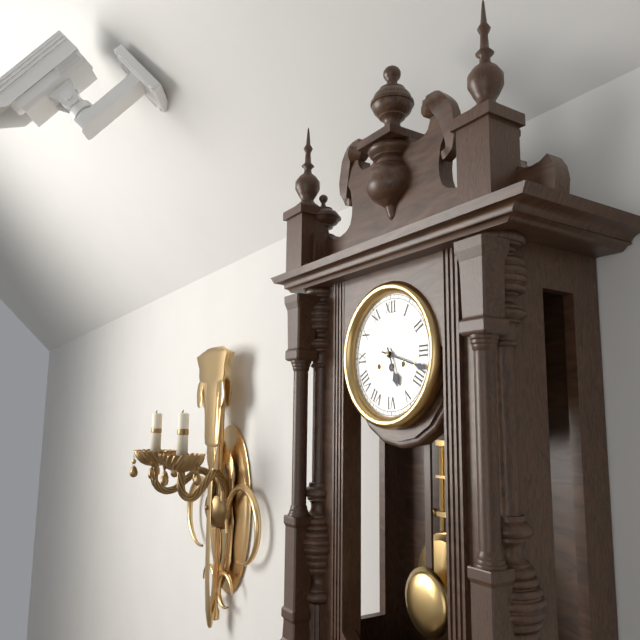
5:18
